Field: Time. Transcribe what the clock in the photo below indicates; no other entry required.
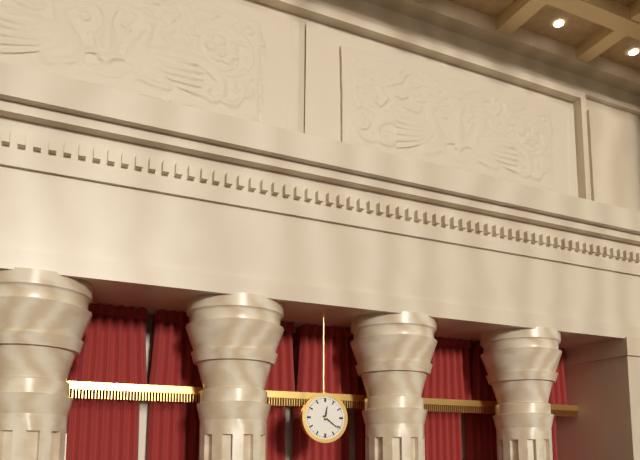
12:21
